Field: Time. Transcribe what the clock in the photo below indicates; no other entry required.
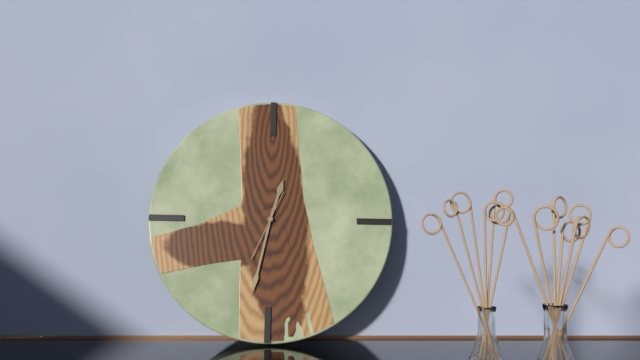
12:32:34
